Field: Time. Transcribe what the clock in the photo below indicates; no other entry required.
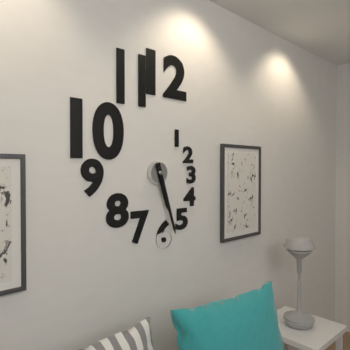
5:27
